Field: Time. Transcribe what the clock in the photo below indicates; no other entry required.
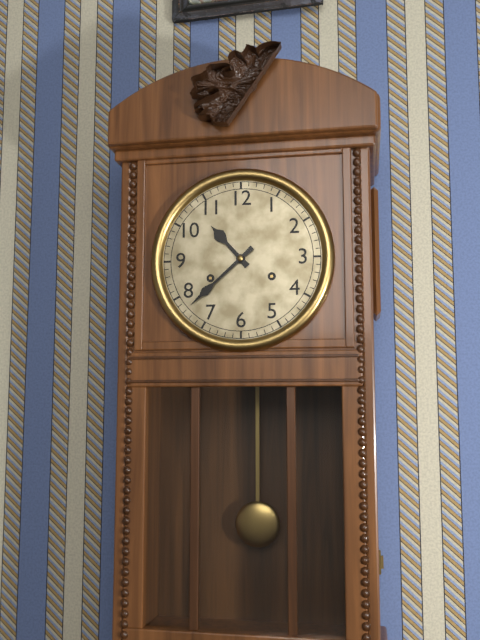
10:38
